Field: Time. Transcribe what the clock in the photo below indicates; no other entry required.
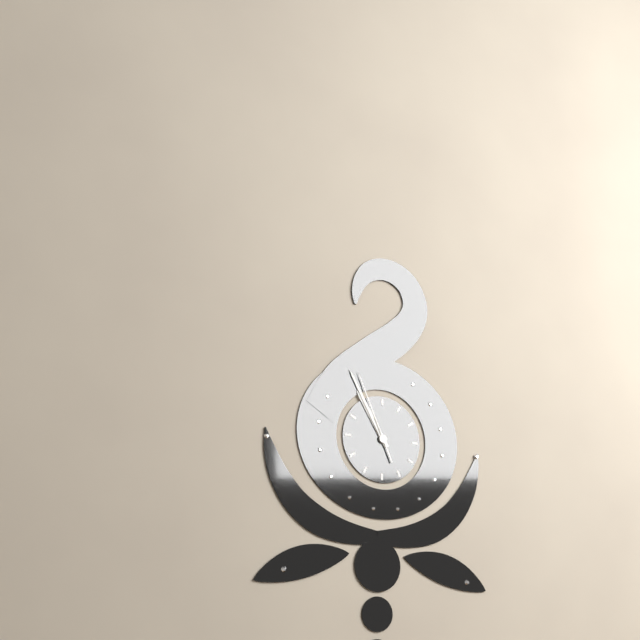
10:55:56
